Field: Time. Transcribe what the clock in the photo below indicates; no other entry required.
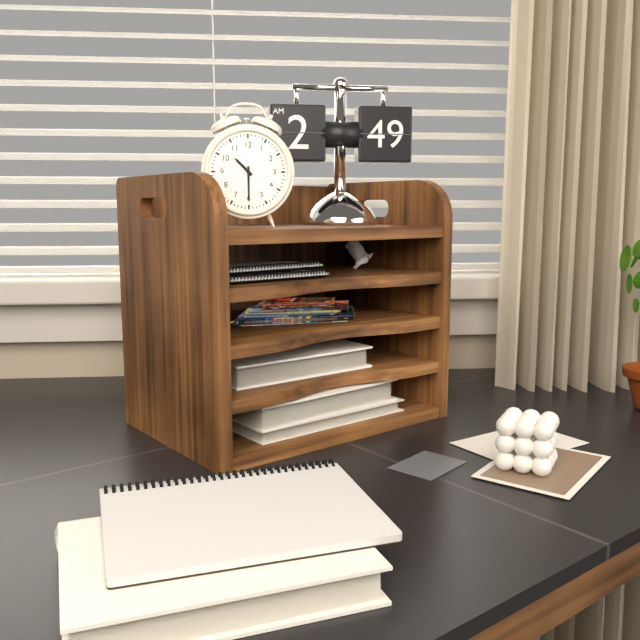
10:30
